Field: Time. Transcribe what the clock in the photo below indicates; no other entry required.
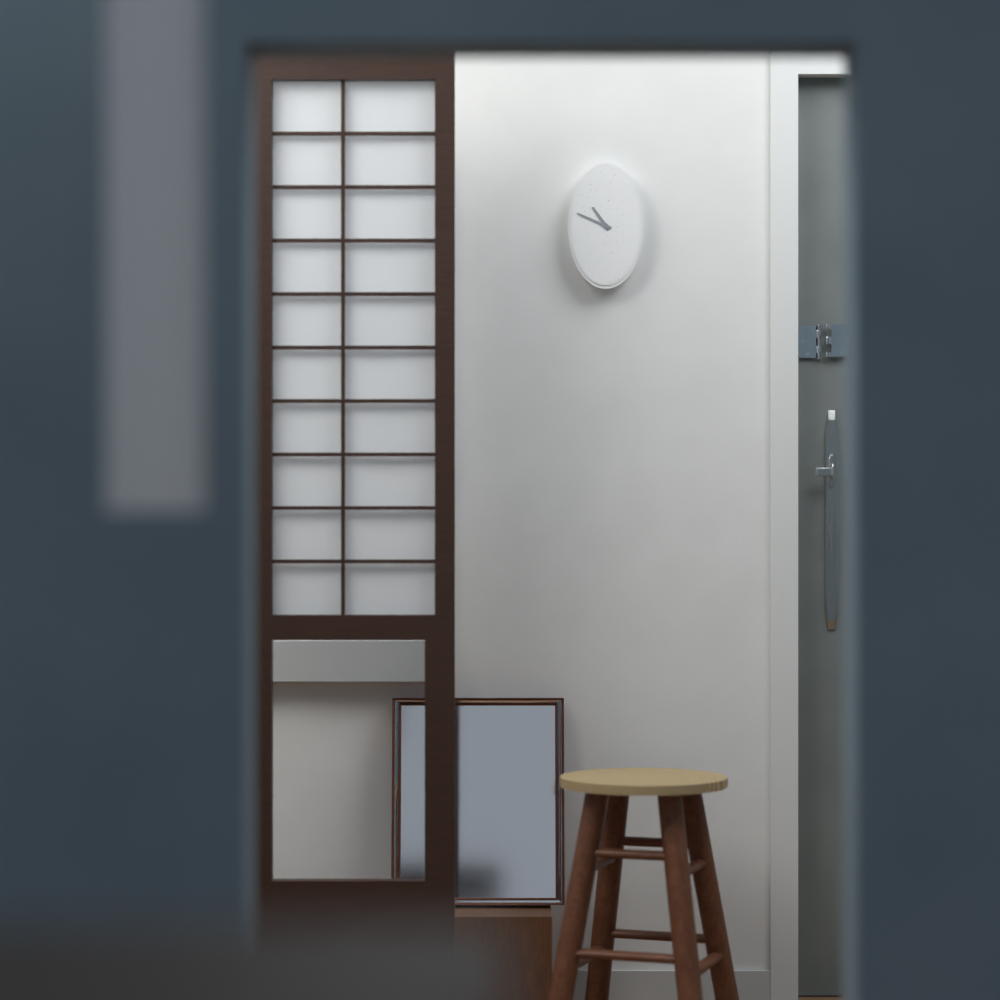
10:49
